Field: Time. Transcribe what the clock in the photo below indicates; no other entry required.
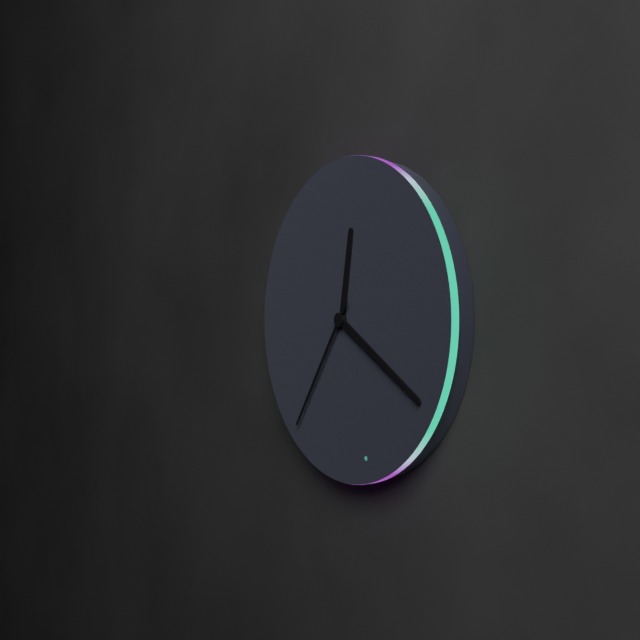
12:20:36
